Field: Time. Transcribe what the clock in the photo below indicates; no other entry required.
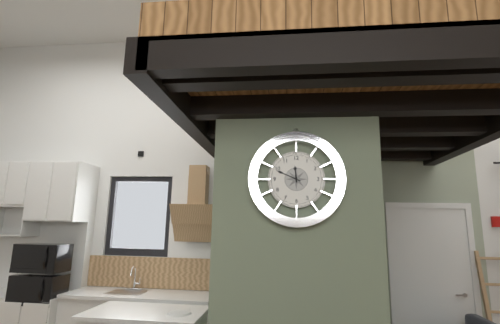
11:49
